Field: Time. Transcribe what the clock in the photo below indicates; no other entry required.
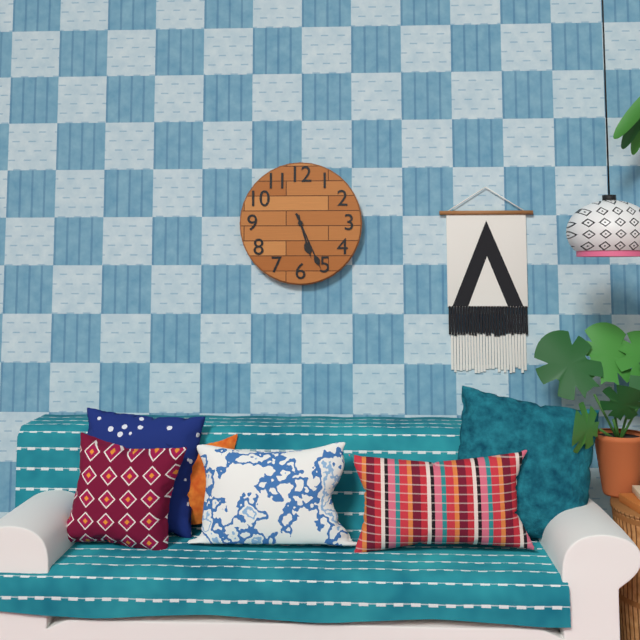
5:26
